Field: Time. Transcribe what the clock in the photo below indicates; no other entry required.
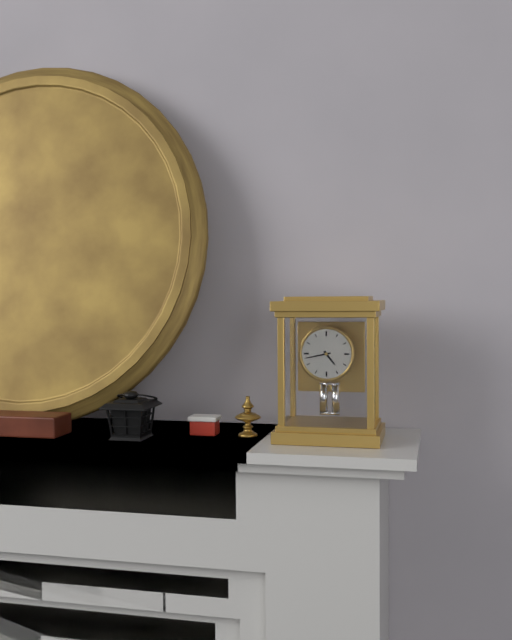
4:43
